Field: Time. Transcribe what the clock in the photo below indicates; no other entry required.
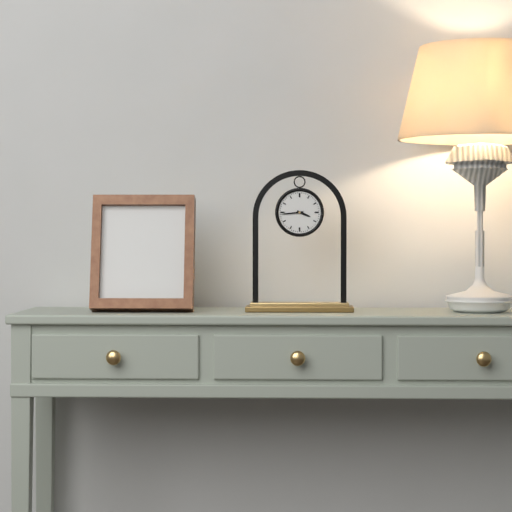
3:44
